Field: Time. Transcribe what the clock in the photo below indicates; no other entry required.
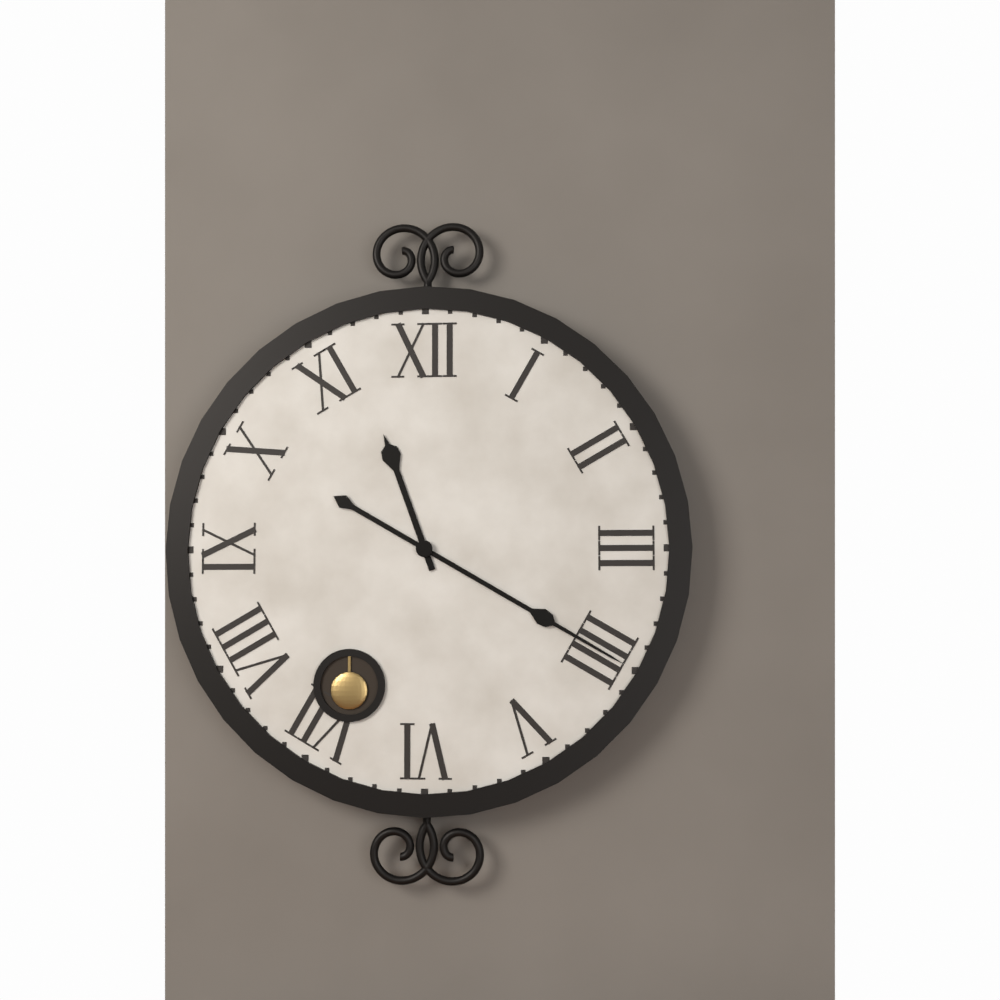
11:20
